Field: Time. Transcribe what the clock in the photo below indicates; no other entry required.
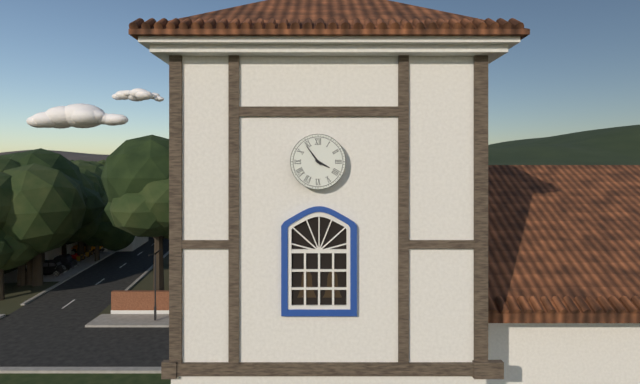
3:54
